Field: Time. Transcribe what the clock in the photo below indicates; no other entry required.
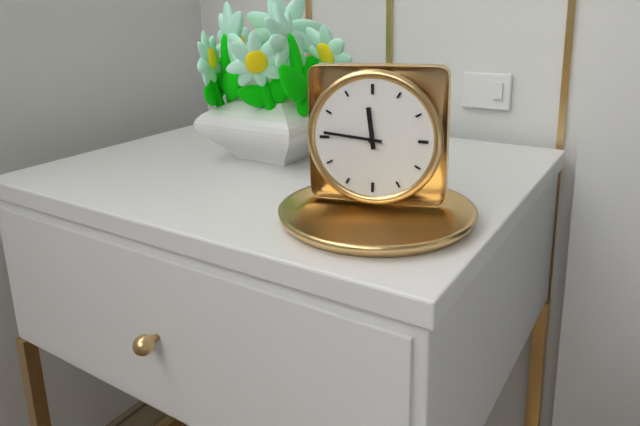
11:46
